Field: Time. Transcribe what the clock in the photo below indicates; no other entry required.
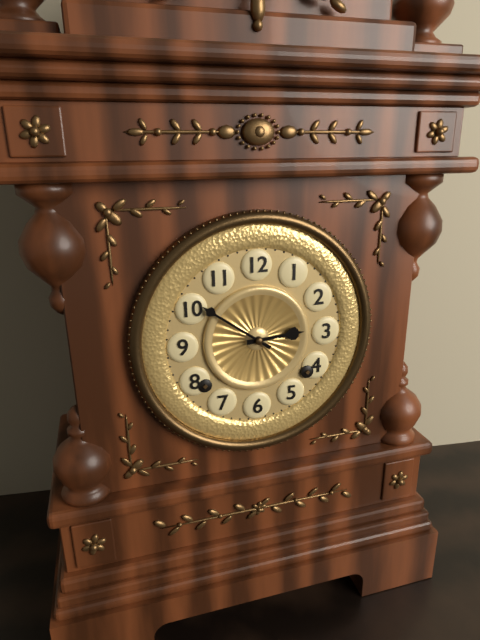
2:51
